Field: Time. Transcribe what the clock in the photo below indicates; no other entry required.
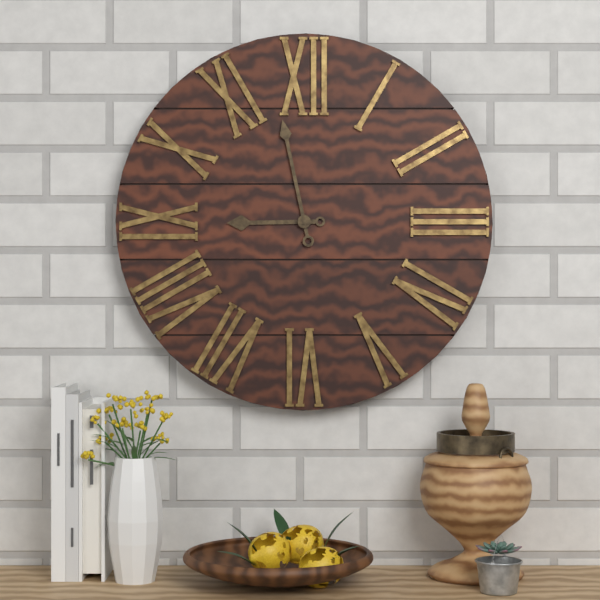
8:58
